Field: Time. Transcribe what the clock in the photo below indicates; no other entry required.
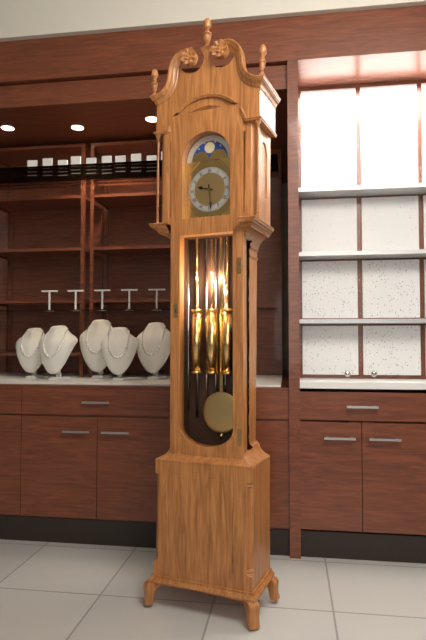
9:29
